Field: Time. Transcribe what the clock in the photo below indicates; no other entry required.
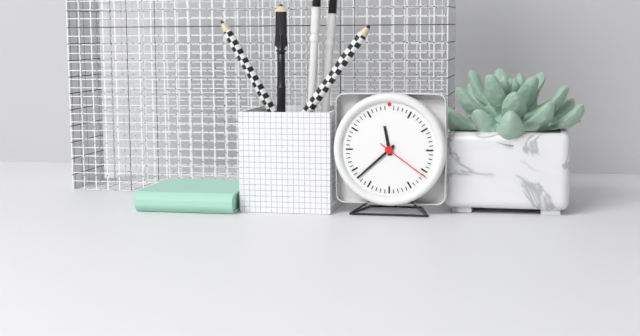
11:38:21
